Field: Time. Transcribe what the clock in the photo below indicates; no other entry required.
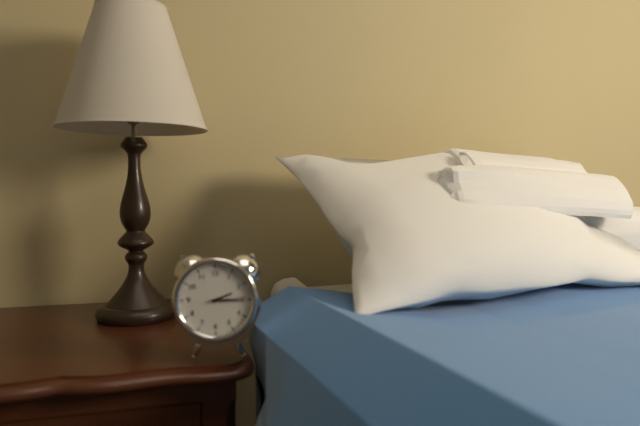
2:15
